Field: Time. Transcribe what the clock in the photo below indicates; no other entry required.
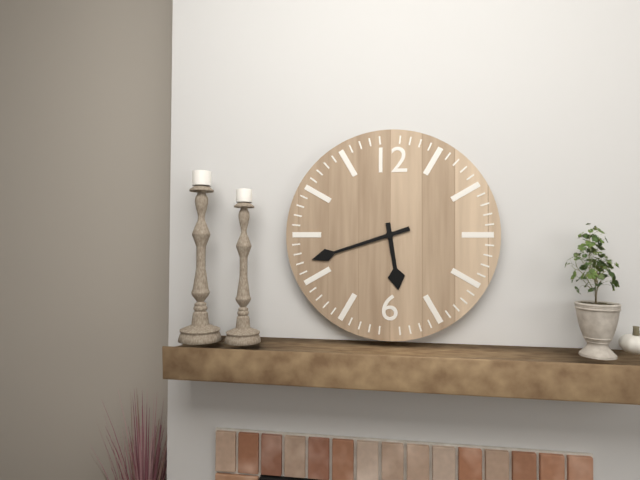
5:42
